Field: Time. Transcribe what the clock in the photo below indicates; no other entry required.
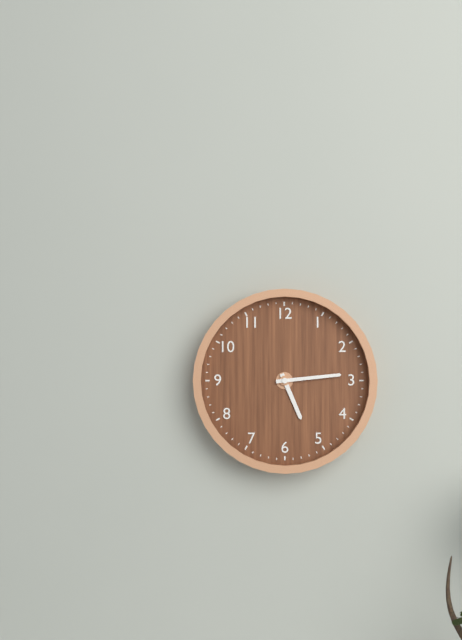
5:14
